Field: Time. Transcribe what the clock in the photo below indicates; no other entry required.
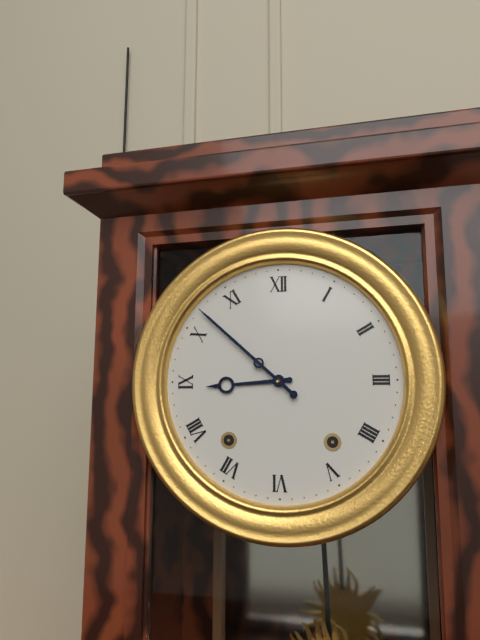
8:52
